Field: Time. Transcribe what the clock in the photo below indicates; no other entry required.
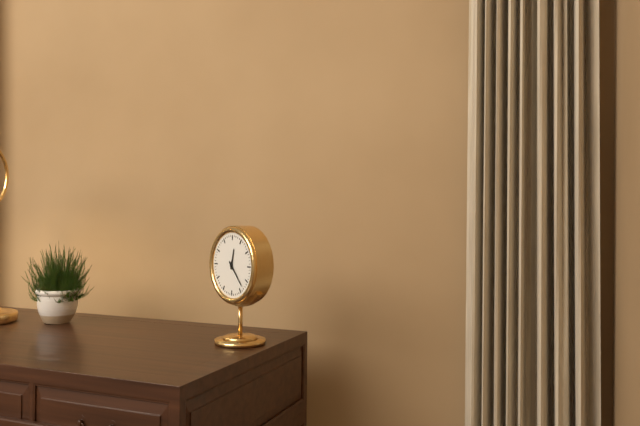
12:23
